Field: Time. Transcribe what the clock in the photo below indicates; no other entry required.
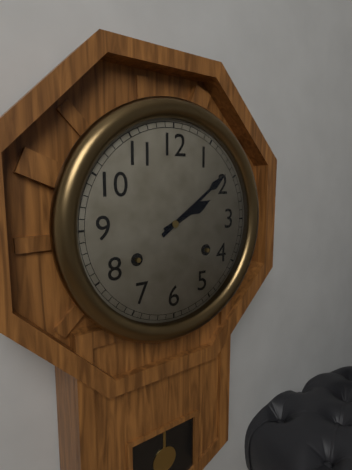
2:09
